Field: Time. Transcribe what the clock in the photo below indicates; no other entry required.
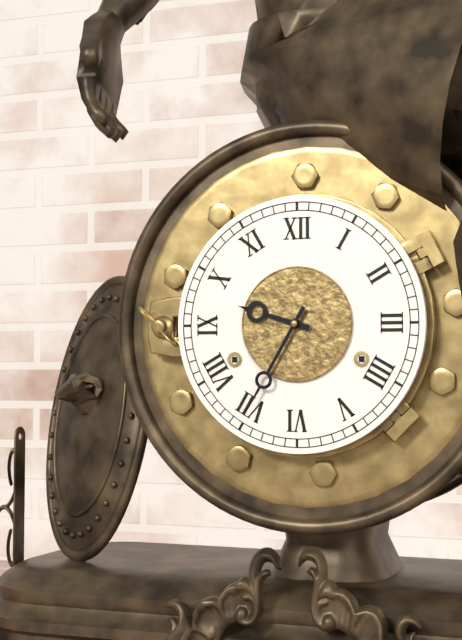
9:35
